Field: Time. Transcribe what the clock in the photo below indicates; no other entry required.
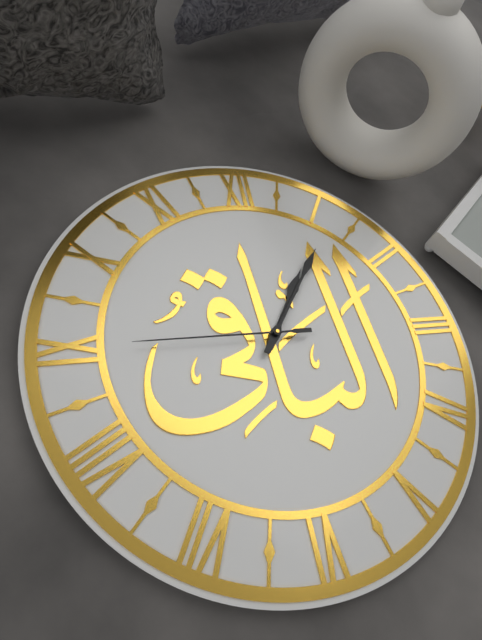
1:06:45
